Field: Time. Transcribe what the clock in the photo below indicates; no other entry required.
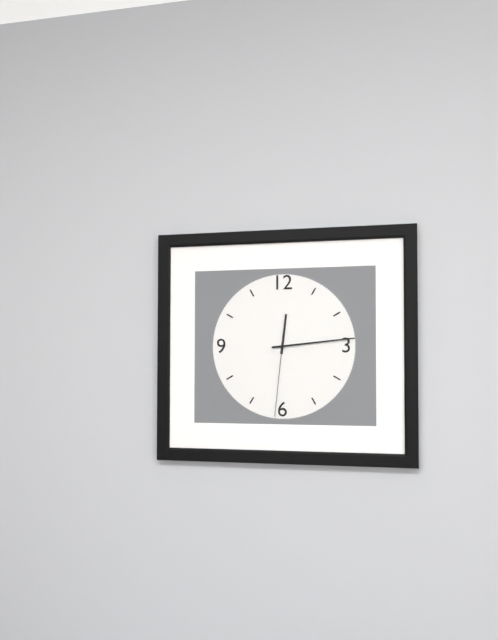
12:14:31
